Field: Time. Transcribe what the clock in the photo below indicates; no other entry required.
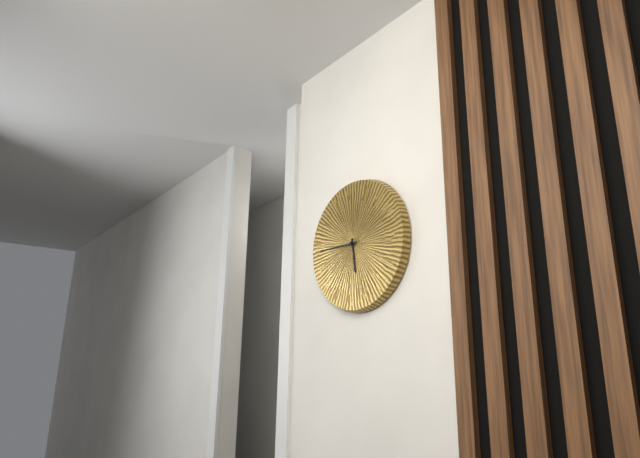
5:45
